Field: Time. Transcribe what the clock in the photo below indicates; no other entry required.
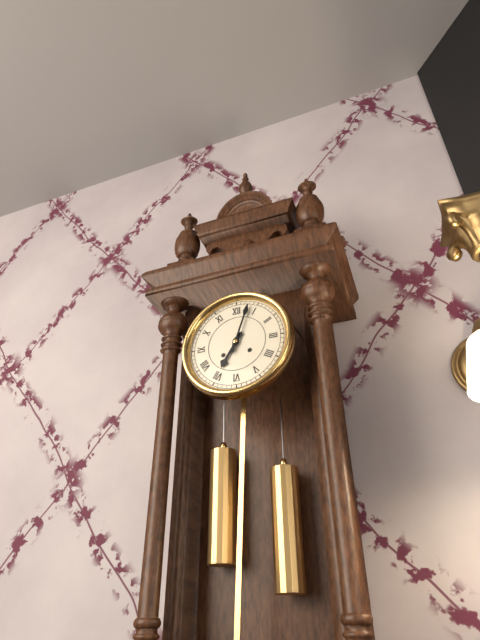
7:03
